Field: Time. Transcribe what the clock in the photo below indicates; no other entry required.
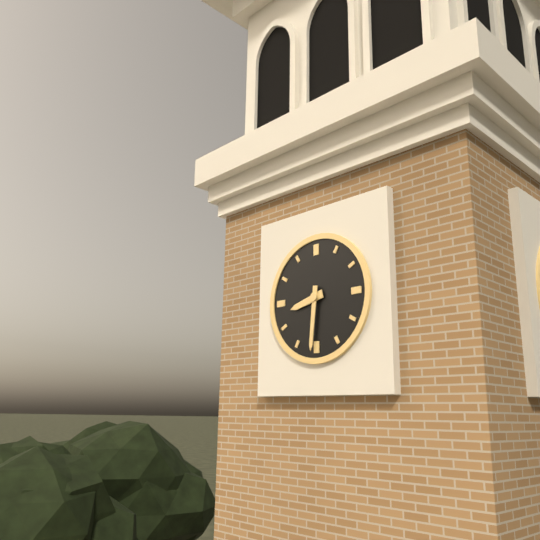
8:31
